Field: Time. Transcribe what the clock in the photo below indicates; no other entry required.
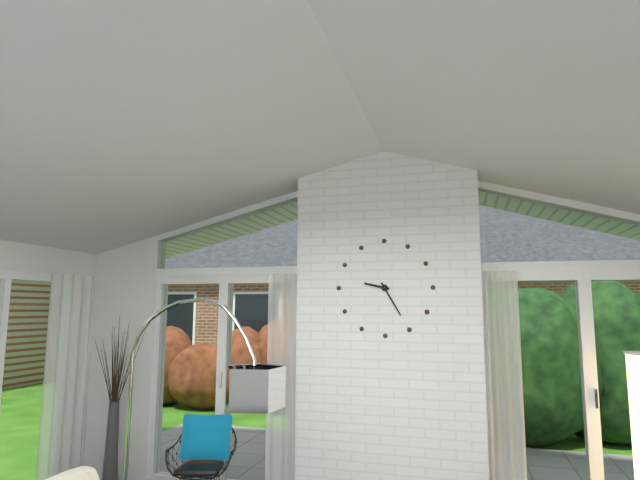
9:25
